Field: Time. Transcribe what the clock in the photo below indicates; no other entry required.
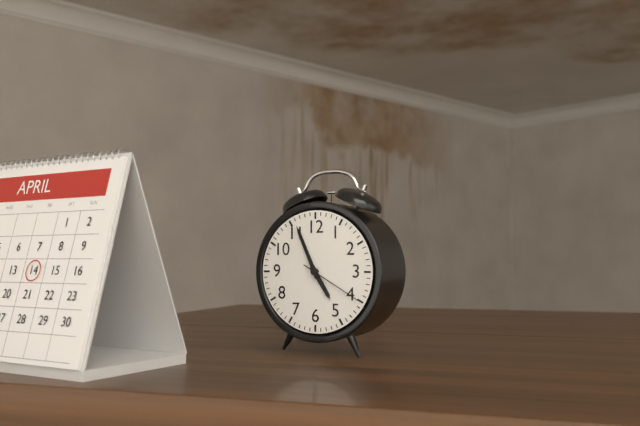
4:56:20
